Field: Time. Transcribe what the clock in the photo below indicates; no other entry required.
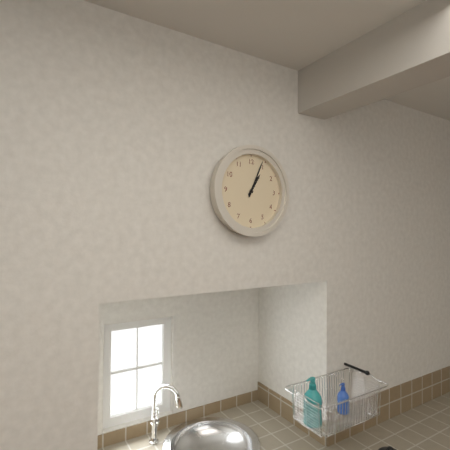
1:04
